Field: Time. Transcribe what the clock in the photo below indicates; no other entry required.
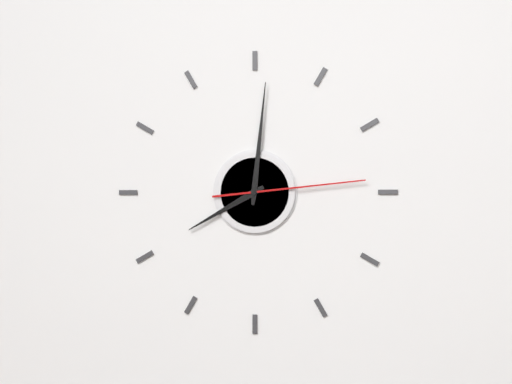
8:01:14
